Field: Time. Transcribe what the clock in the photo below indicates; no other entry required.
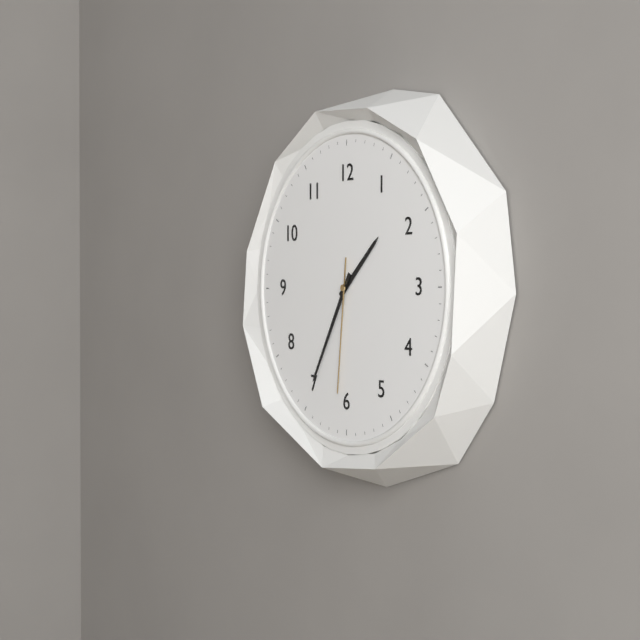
1:35:31
